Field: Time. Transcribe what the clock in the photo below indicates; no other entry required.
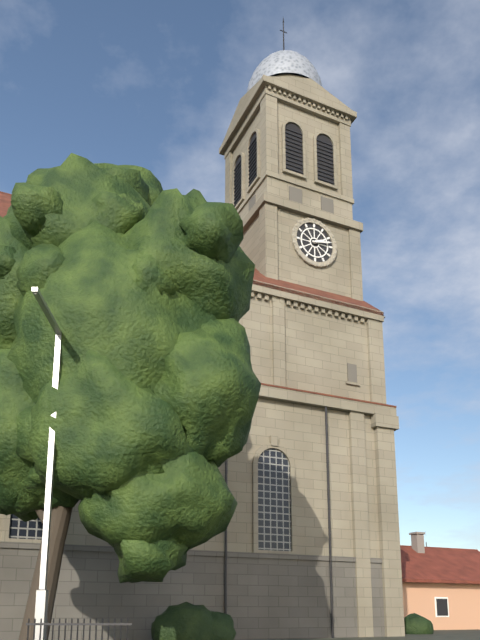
2:13
